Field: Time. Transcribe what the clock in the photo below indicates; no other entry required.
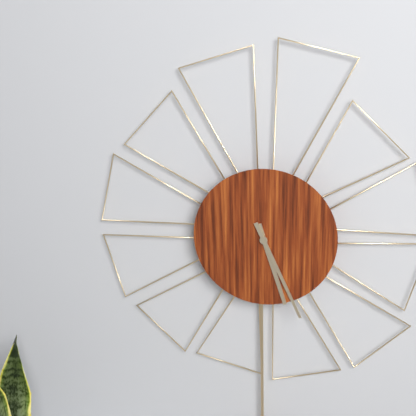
5:26
